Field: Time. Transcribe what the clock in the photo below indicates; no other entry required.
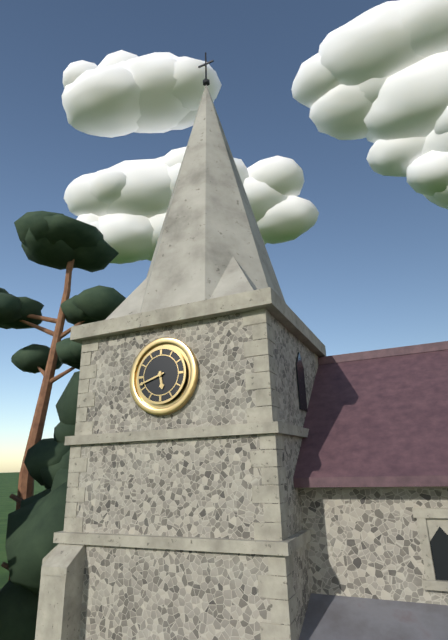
5:42
